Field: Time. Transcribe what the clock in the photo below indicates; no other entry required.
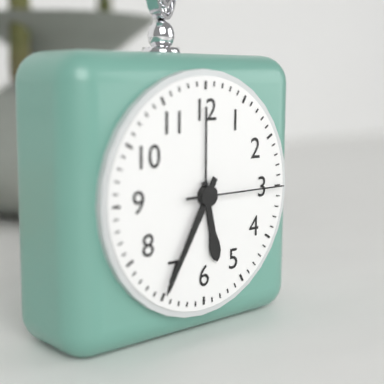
5:35:15
